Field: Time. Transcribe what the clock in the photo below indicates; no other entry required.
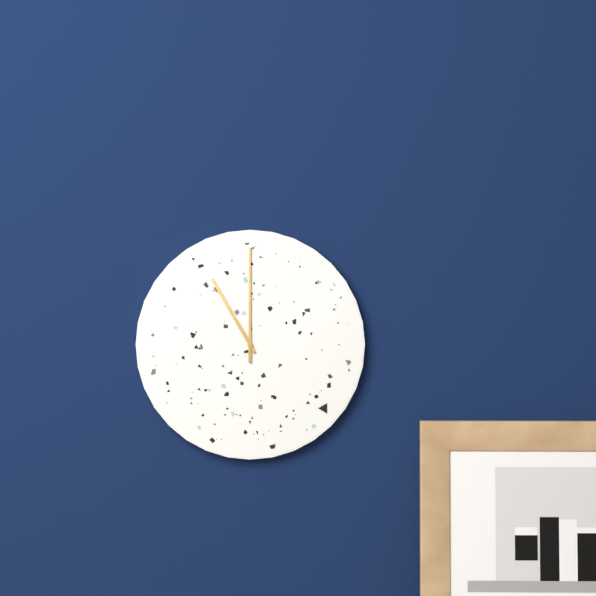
11:00
